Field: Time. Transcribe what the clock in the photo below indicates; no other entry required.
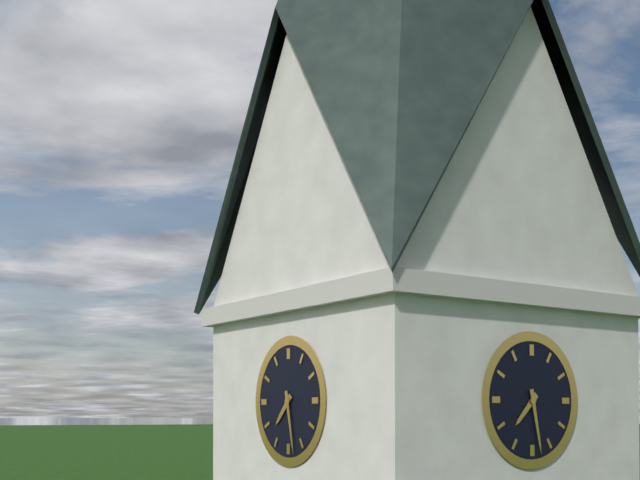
7:28
